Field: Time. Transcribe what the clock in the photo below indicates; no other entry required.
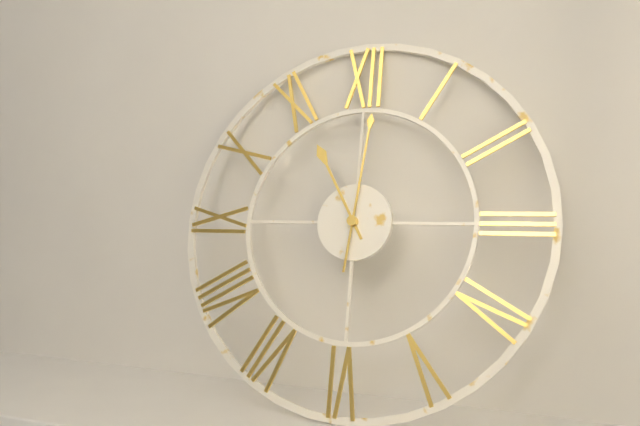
11:01
